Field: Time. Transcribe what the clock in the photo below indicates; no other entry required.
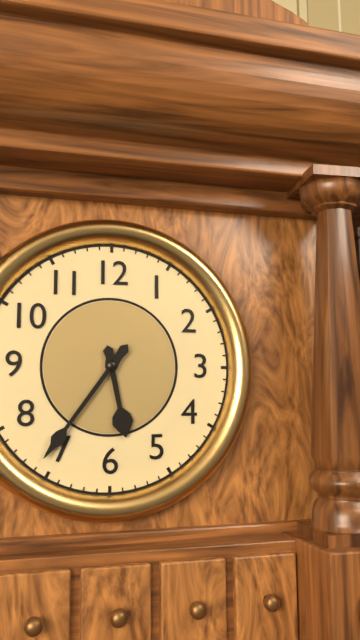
5:36
